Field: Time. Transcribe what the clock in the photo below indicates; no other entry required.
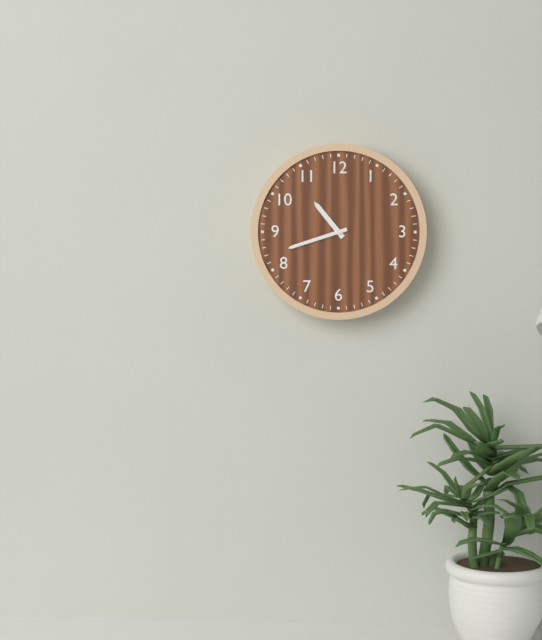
10:42
